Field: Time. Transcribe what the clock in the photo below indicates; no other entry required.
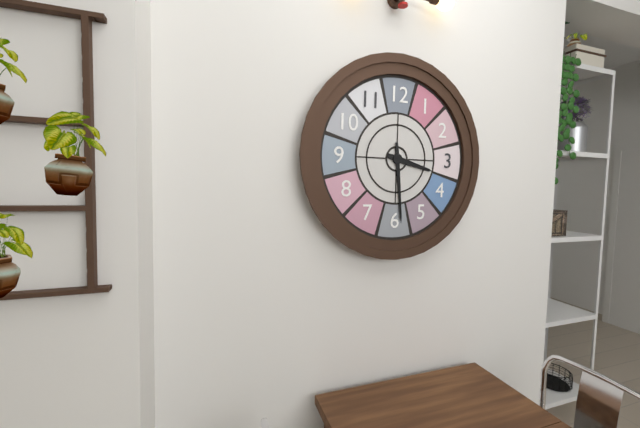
3:29
